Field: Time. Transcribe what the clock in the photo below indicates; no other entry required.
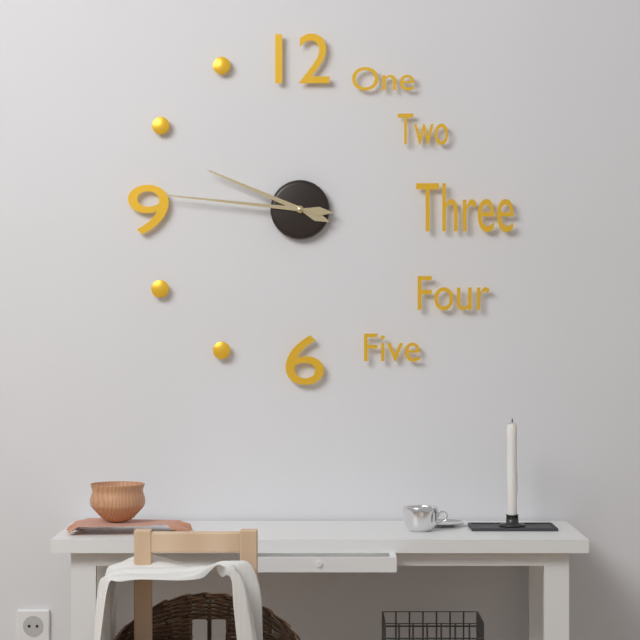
9:46
